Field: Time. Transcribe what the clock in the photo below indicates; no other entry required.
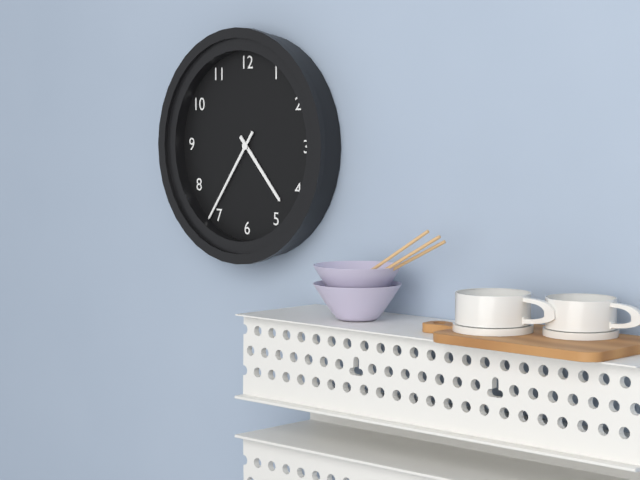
4:36
